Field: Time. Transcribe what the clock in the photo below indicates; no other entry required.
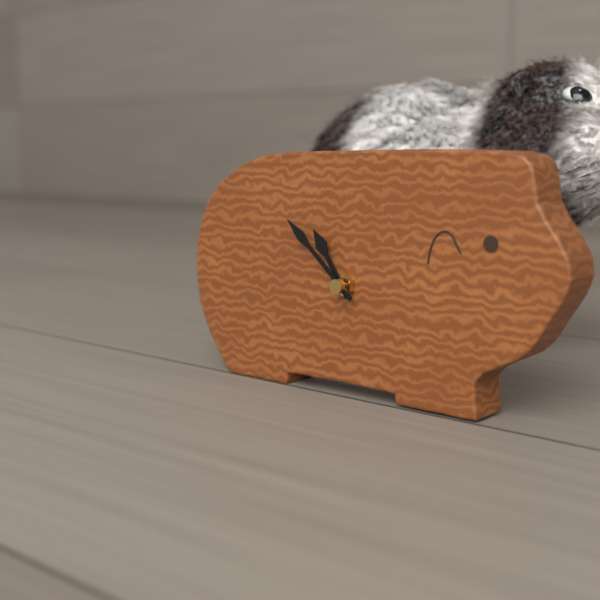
10:52
